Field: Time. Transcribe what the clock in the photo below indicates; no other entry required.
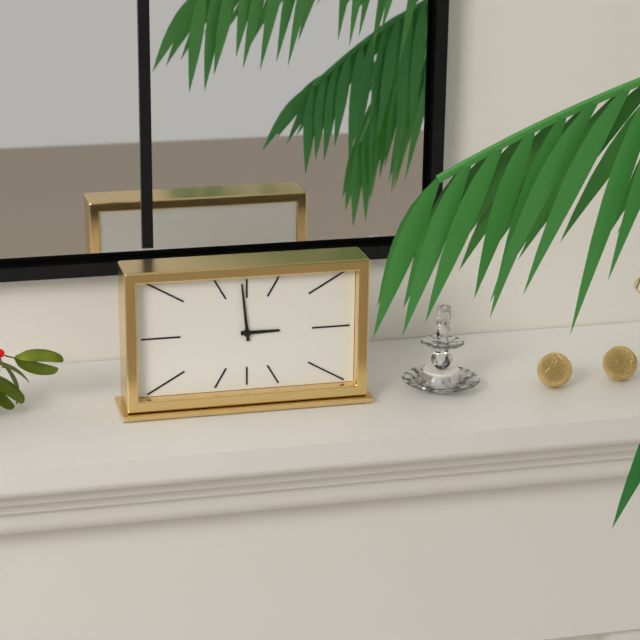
2:59
